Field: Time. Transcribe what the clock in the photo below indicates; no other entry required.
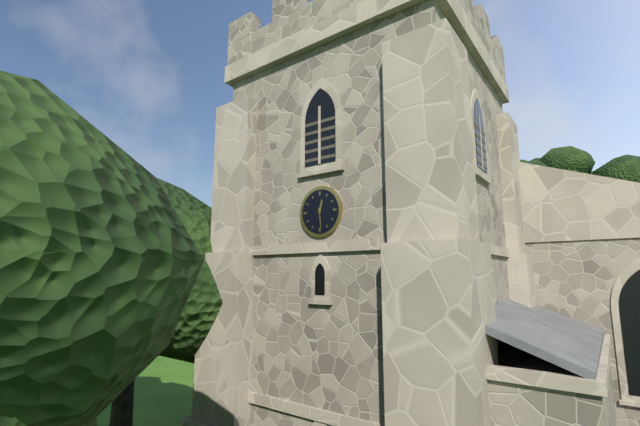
12:29
